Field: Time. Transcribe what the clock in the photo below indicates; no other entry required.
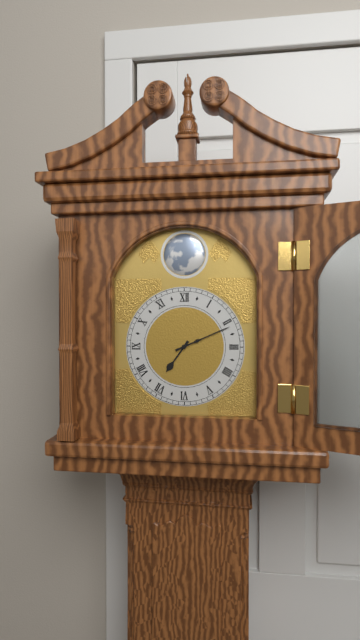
7:11
